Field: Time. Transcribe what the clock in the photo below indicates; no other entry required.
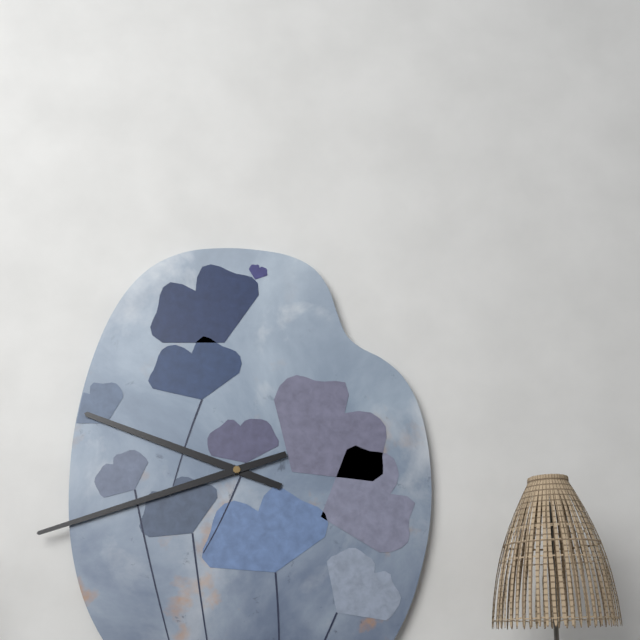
9:42
